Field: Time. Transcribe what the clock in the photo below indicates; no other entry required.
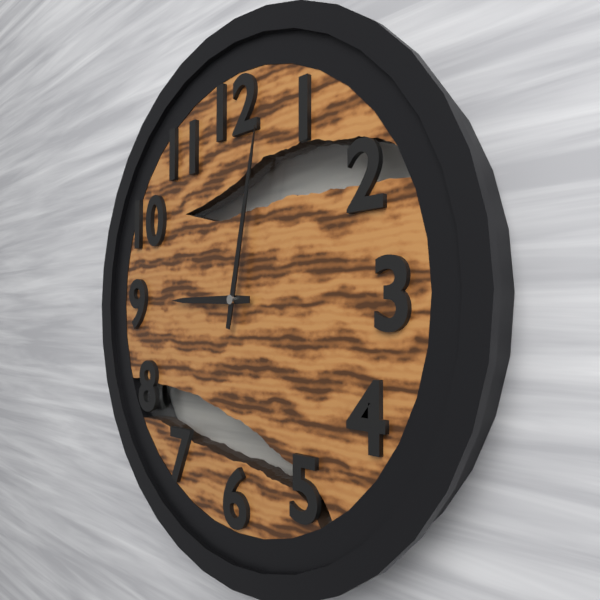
9:02
